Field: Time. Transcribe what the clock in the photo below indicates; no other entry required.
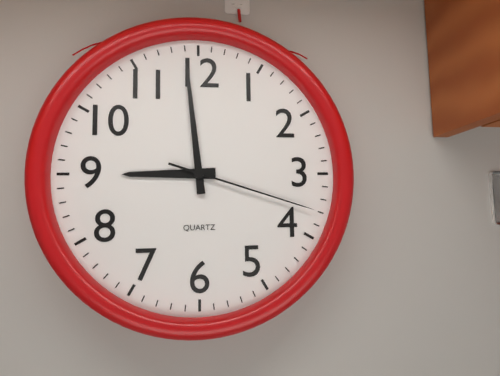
8:59:18
